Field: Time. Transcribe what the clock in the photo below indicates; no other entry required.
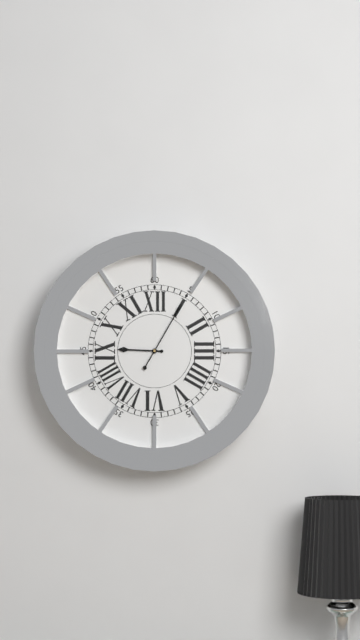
9:05
